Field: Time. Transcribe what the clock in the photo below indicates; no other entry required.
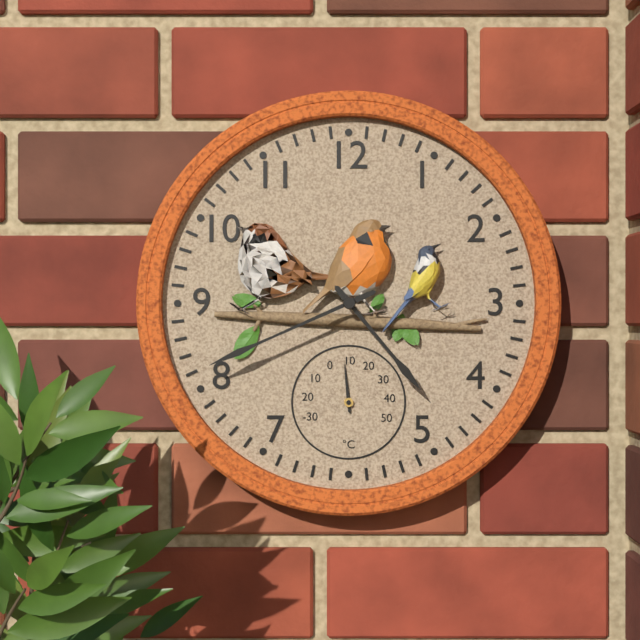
4:41
